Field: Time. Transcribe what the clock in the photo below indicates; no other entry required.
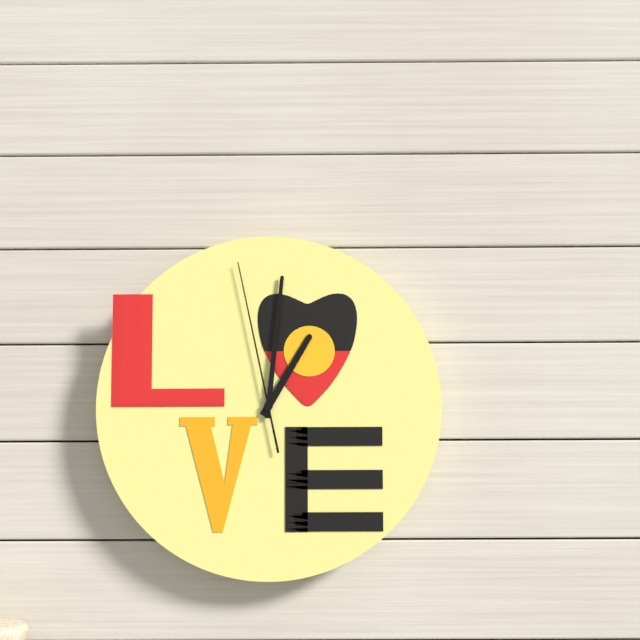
1:01:58
